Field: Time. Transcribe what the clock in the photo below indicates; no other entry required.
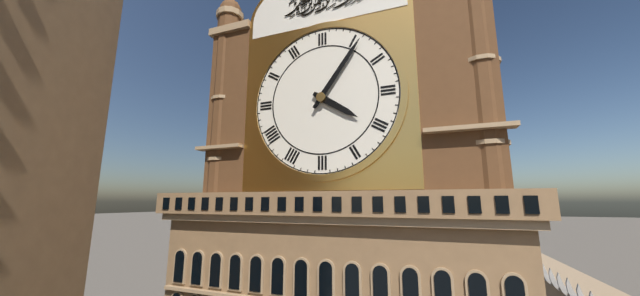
4:06
